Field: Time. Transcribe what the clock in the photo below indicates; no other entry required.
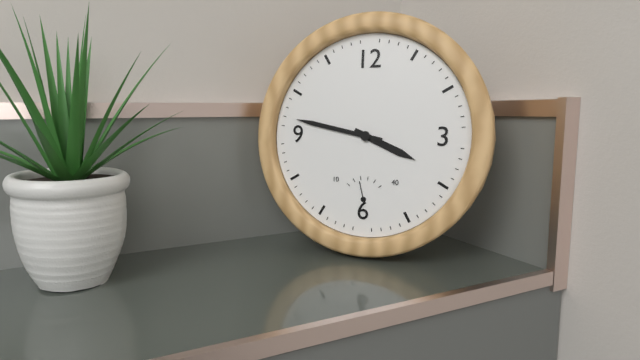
3:47
